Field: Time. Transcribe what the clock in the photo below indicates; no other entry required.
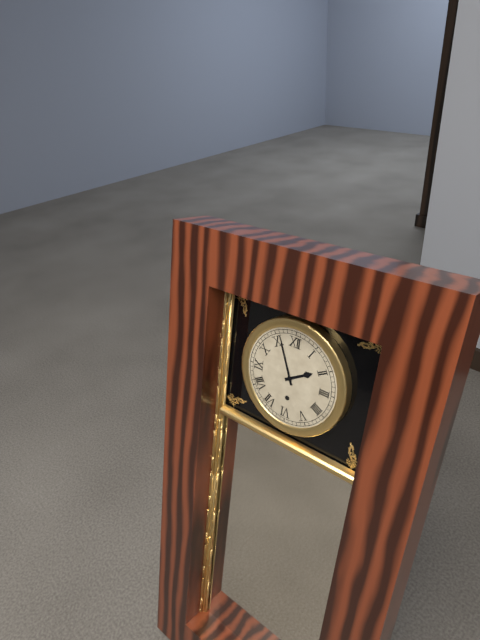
1:56
